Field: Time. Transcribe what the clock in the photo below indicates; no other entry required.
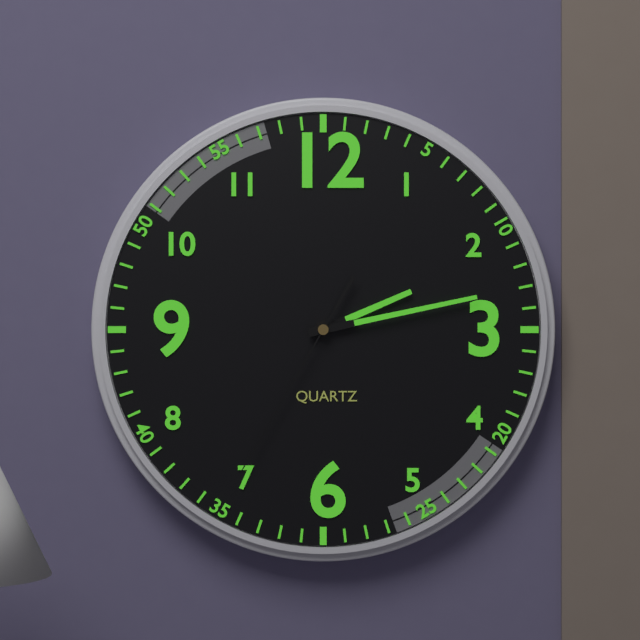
2:13:35
